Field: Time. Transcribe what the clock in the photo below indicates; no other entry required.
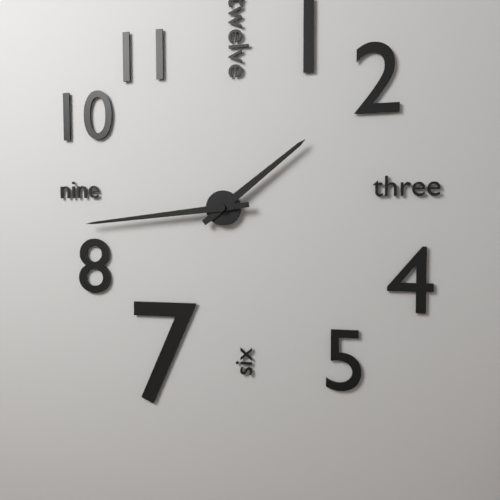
1:44
